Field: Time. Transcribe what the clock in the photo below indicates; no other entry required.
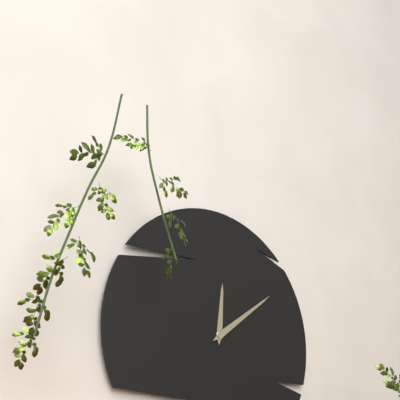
12:09
